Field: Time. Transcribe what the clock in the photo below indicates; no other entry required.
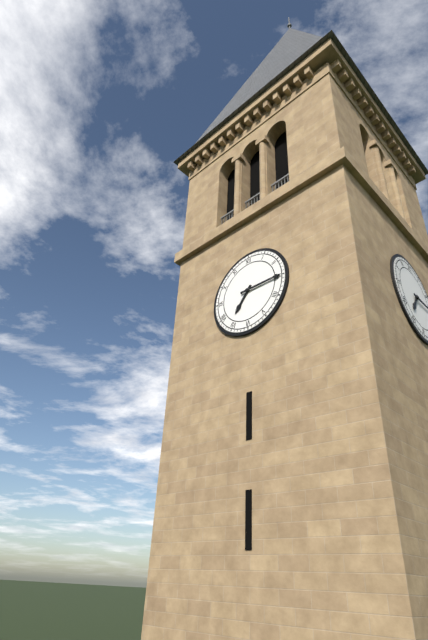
7:15
